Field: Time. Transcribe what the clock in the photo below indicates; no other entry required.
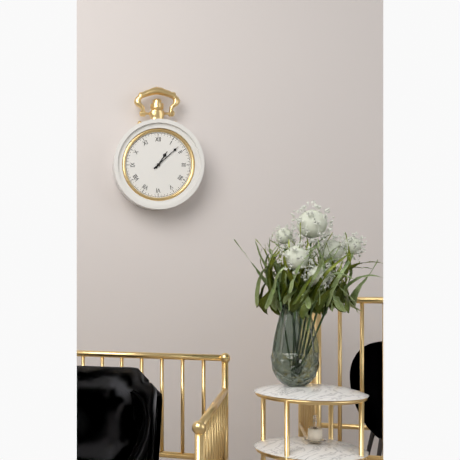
1:08
